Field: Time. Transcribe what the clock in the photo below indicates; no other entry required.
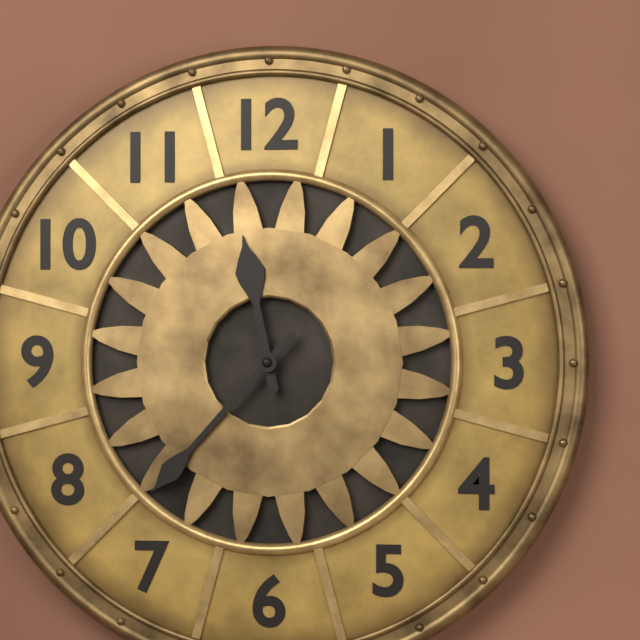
11:37
